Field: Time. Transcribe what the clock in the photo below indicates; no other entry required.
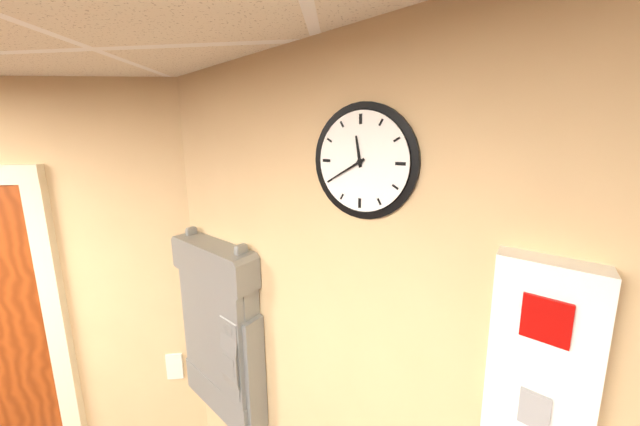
11:40
